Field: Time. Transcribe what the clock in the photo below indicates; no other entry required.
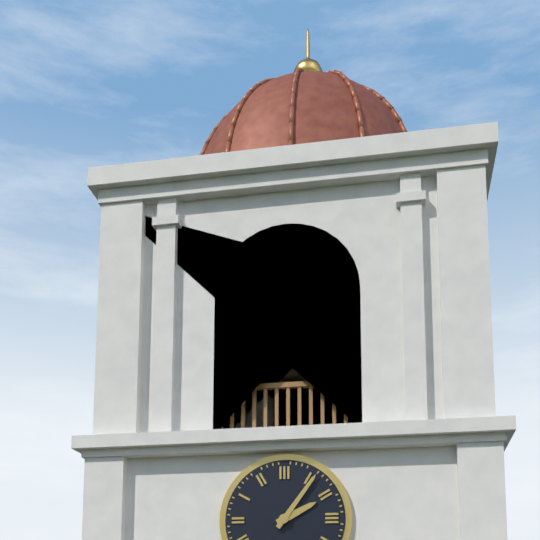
2:06
